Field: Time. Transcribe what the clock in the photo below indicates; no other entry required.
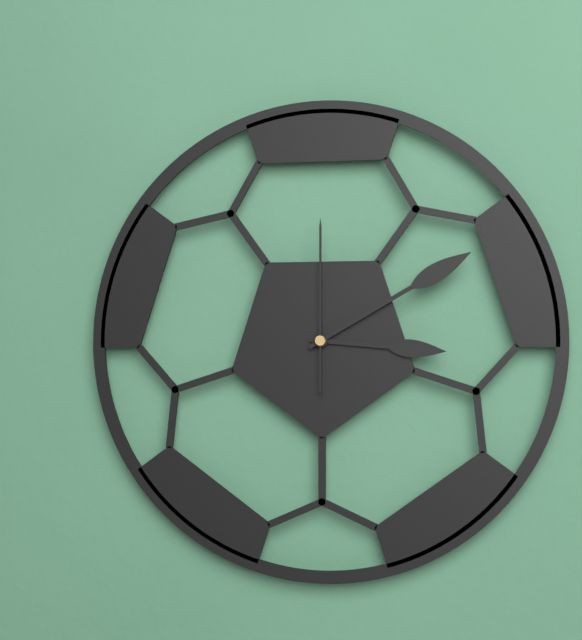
3:10:00
